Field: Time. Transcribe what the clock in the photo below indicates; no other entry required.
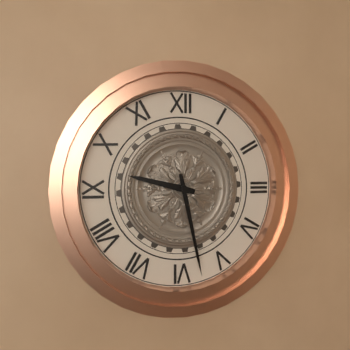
9:28
